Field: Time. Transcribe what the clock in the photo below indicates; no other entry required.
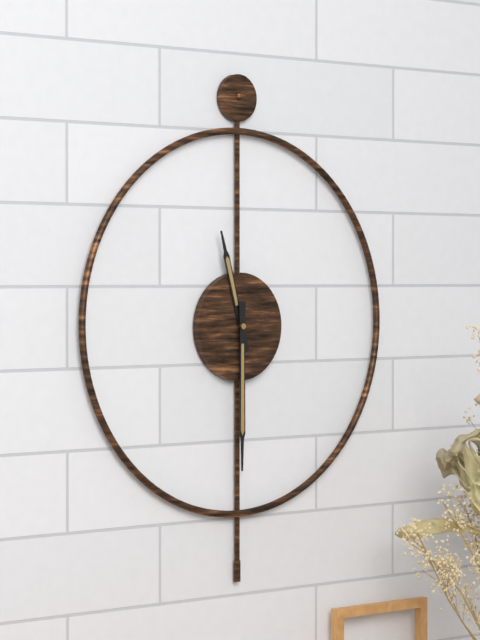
11:30
